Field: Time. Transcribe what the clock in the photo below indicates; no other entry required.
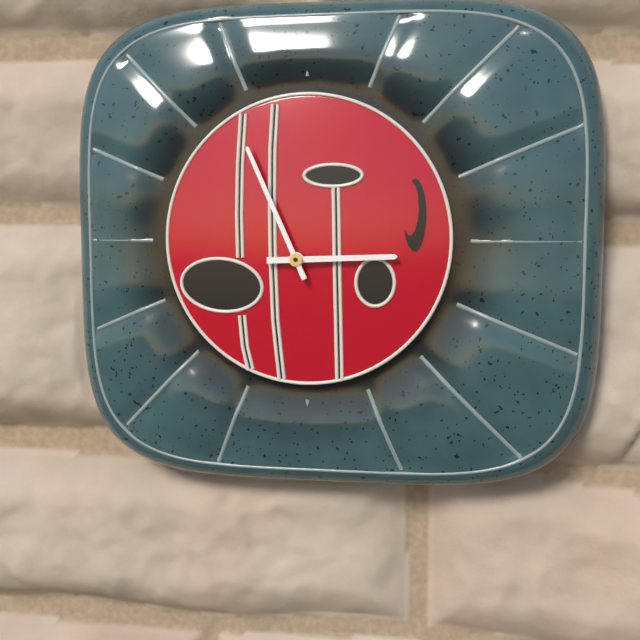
2:56
